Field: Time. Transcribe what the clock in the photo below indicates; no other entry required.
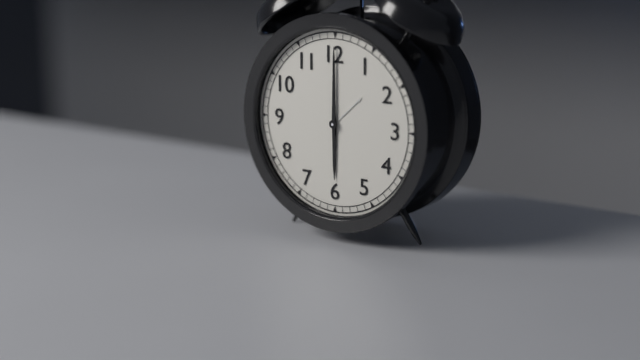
6:00
